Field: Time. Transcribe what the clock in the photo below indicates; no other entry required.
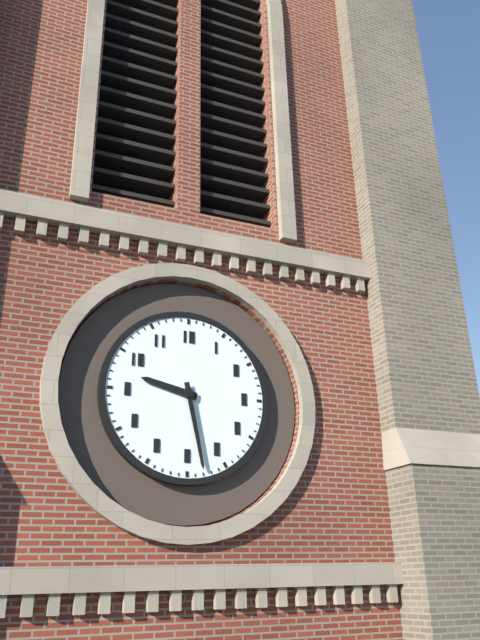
9:28
